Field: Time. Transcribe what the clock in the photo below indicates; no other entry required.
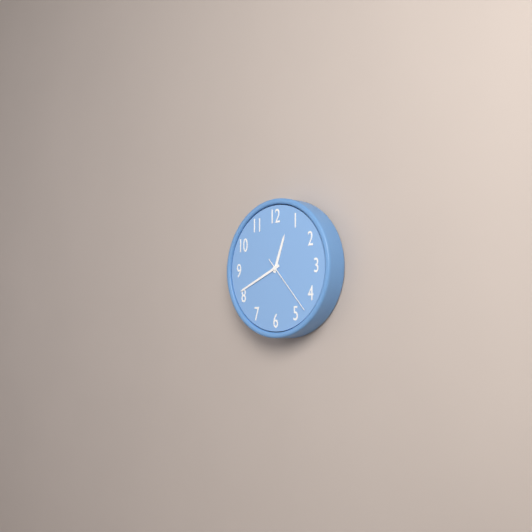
12:41:23
